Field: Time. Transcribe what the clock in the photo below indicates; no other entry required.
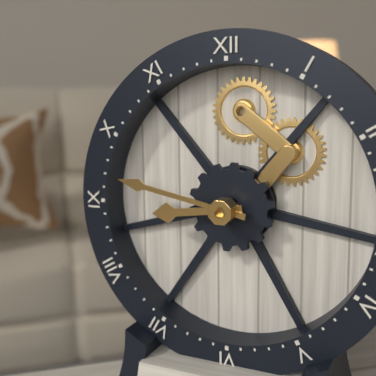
8:47
